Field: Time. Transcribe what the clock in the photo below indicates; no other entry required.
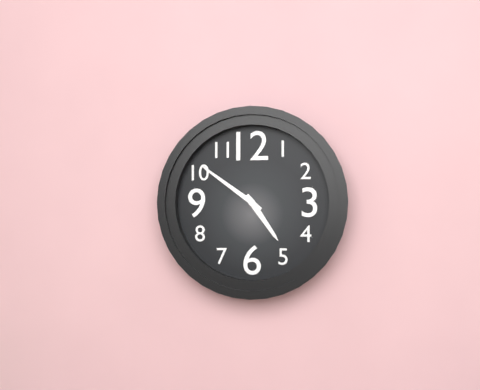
4:51
